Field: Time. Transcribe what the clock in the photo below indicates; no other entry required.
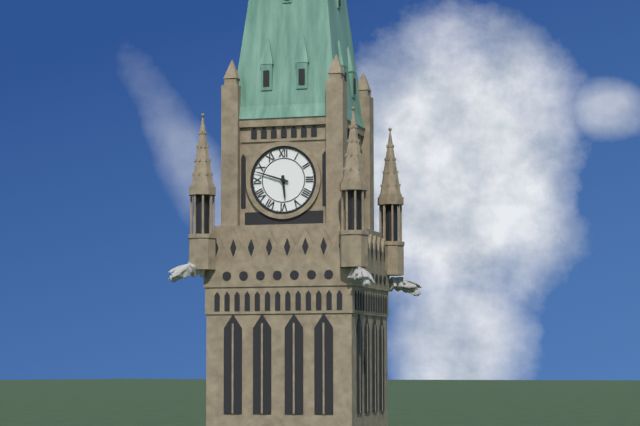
5:48
